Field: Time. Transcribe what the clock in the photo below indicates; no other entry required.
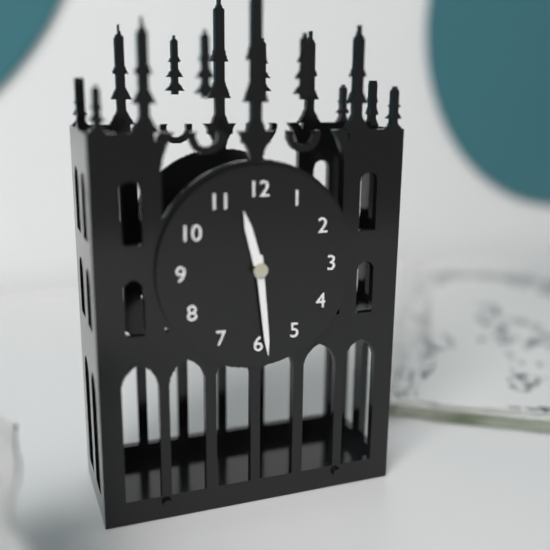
11:29
